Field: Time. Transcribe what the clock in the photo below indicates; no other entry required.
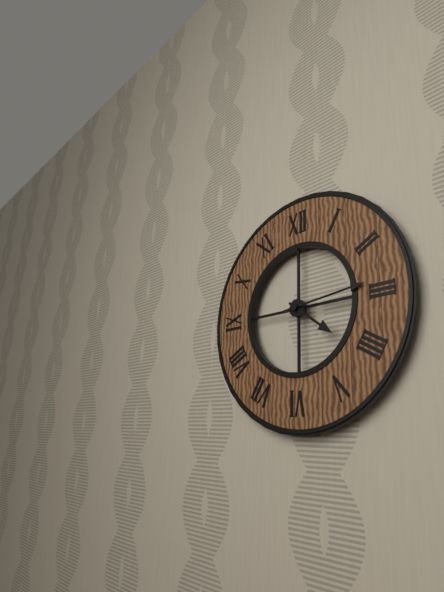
4:14
